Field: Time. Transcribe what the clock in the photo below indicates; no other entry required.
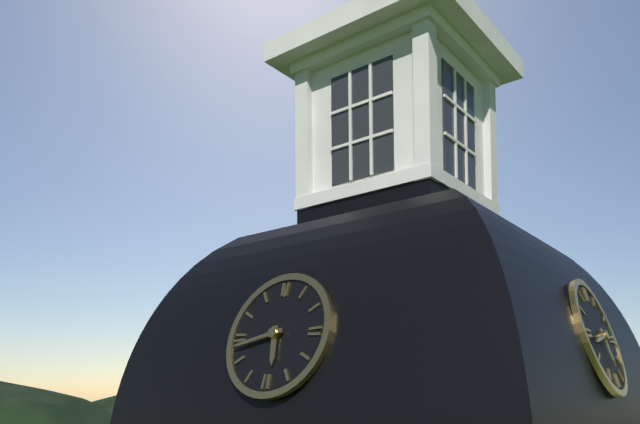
5:43
